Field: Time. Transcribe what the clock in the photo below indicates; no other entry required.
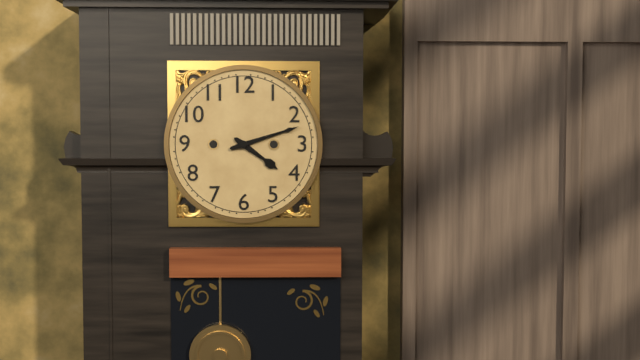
4:12
